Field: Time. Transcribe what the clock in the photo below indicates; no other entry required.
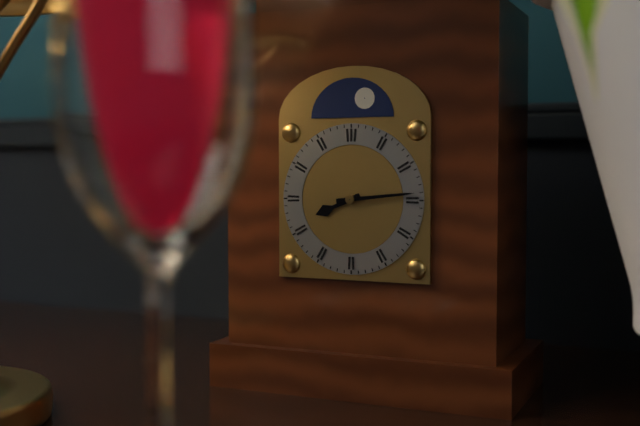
8:14
